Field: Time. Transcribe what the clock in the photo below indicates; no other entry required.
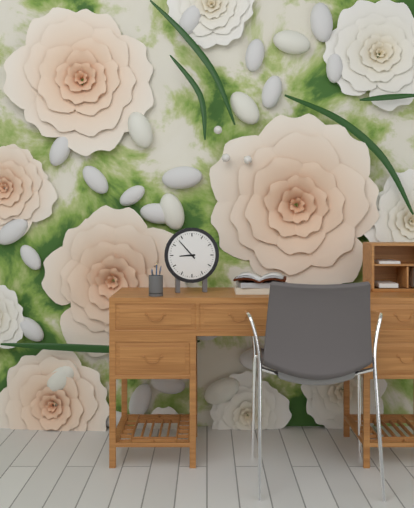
8:53
